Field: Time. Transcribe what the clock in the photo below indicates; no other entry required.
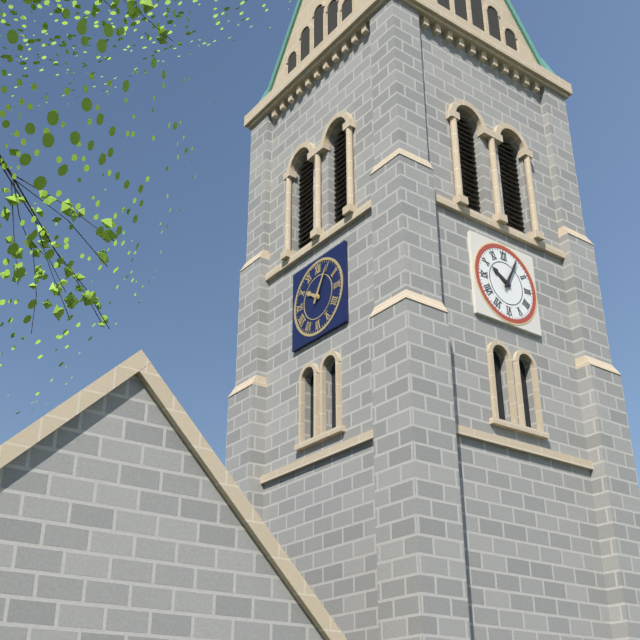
10:05
